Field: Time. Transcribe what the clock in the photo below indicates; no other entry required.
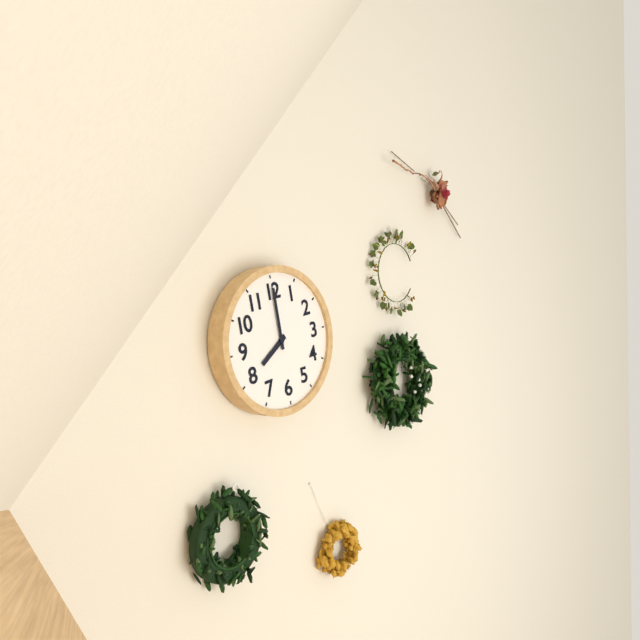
8:00
